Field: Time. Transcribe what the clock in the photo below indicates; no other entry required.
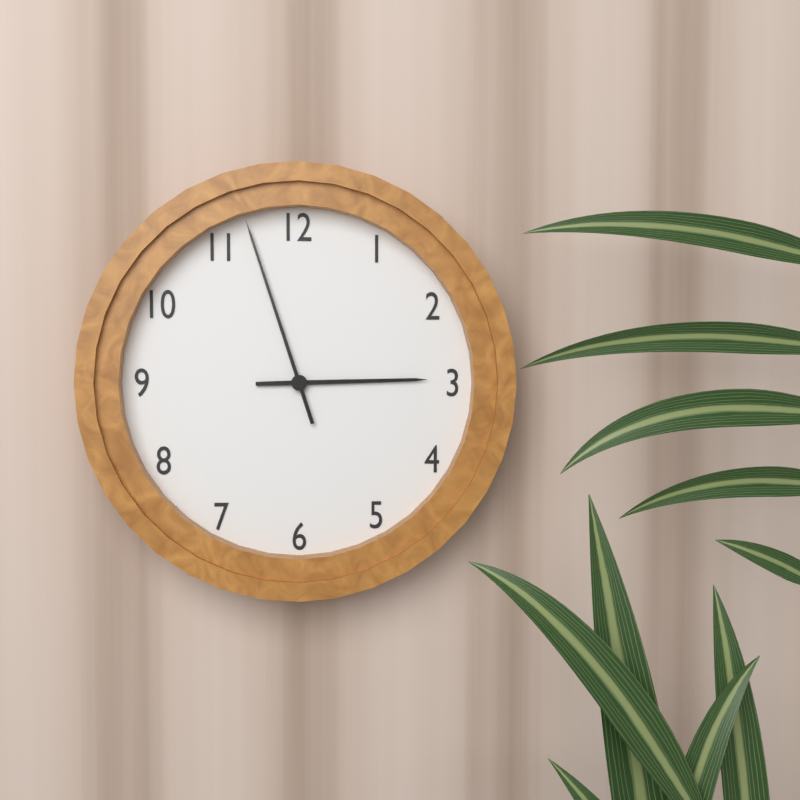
2:57
